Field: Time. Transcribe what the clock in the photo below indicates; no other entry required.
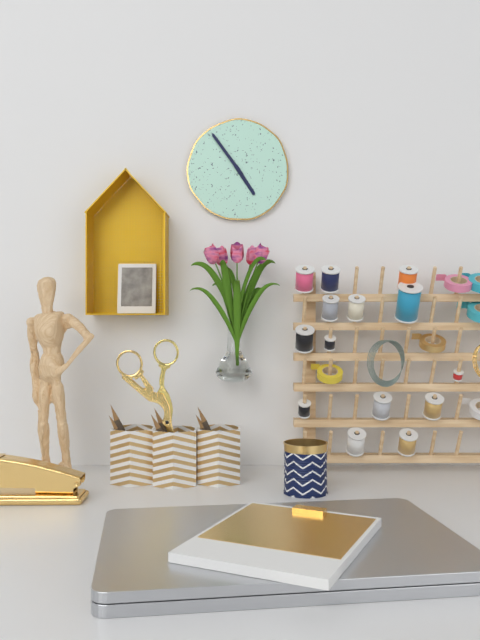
4:54
